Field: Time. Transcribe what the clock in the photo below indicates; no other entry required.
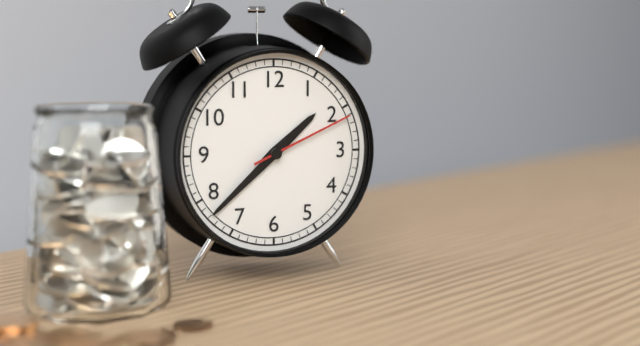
1:38:11
